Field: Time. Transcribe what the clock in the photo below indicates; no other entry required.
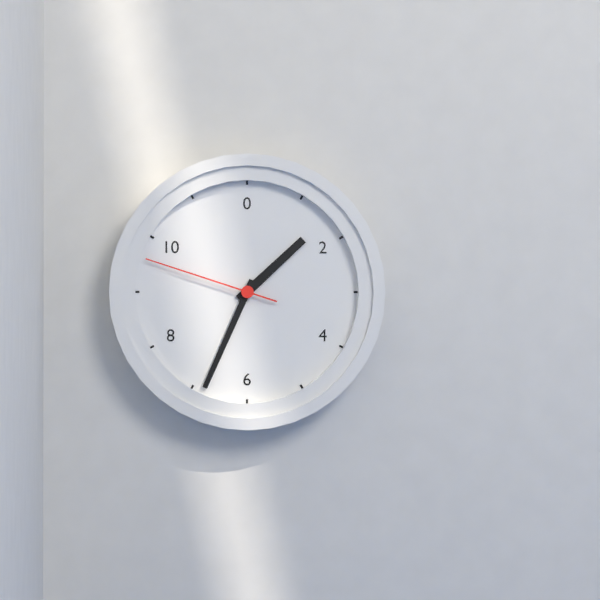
1:34:48
